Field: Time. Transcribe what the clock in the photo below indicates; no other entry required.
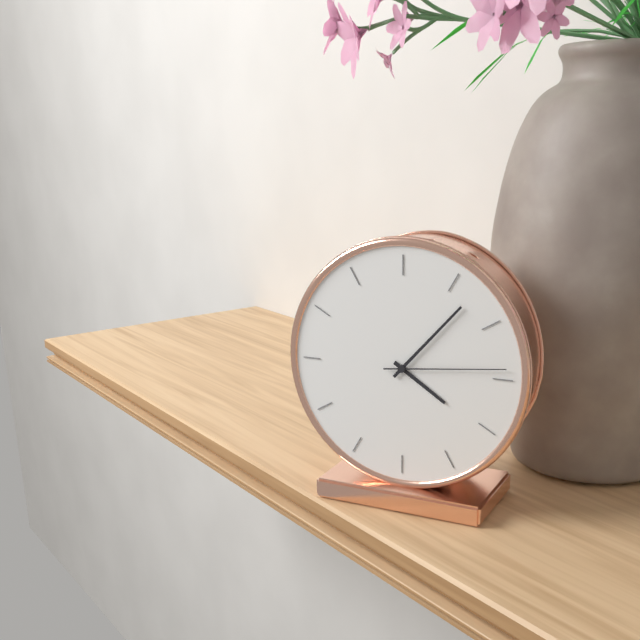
4:07:14
